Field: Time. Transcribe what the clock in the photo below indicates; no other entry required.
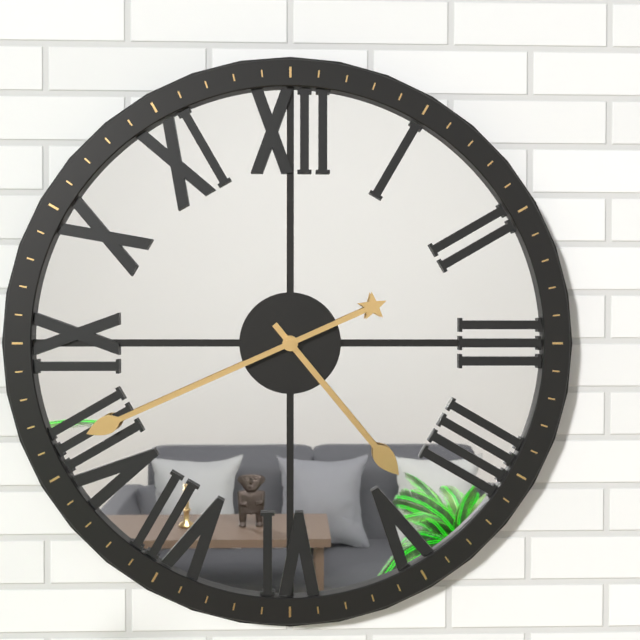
4:41
